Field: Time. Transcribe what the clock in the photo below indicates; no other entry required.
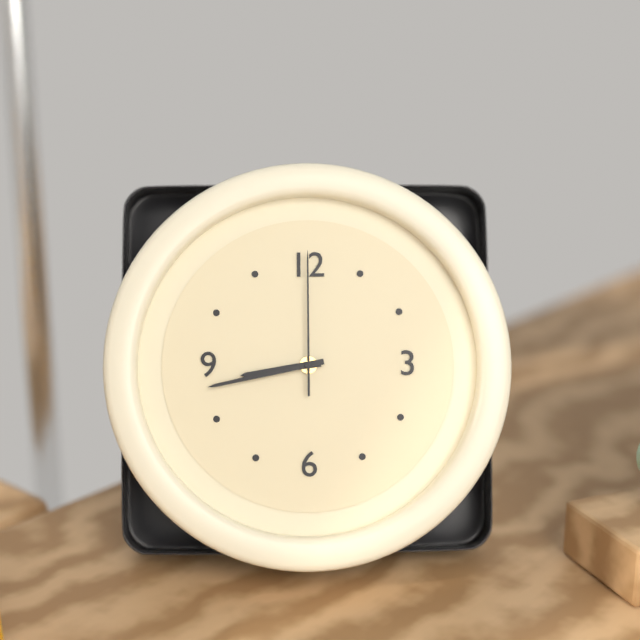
8:43:00
